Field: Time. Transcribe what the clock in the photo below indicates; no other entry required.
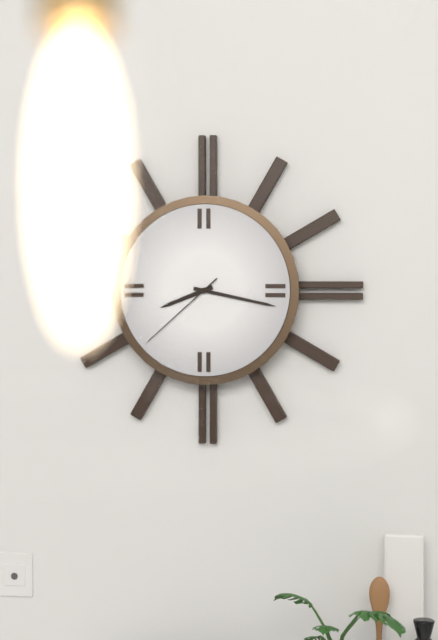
8:17:38
